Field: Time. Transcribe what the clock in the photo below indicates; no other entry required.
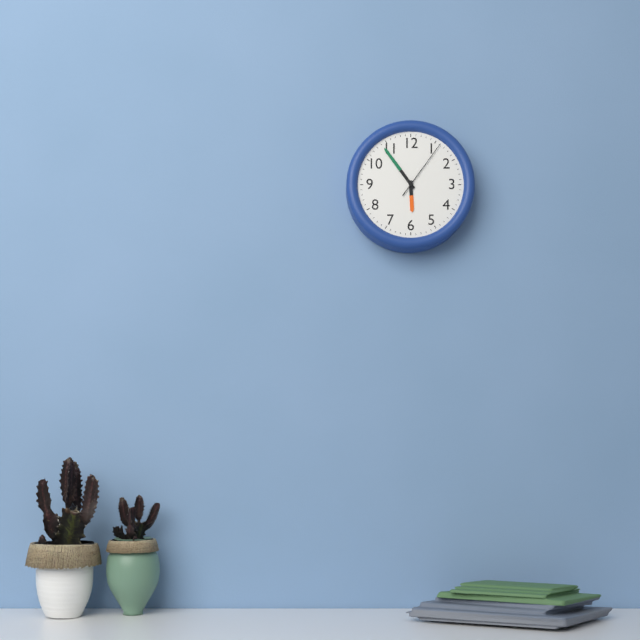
5:54:06
